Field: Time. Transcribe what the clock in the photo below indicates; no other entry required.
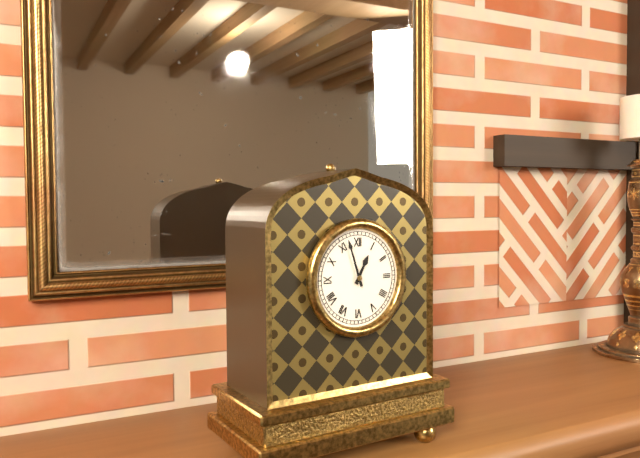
12:57
